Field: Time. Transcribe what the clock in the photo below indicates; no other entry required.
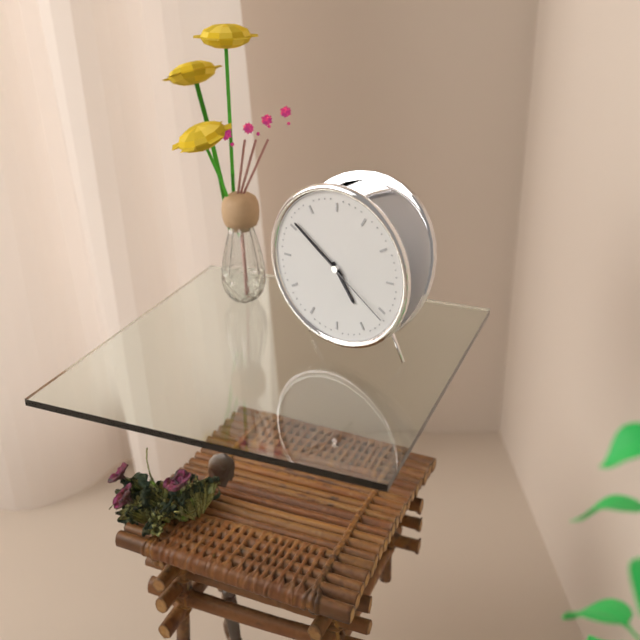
4:51:21
